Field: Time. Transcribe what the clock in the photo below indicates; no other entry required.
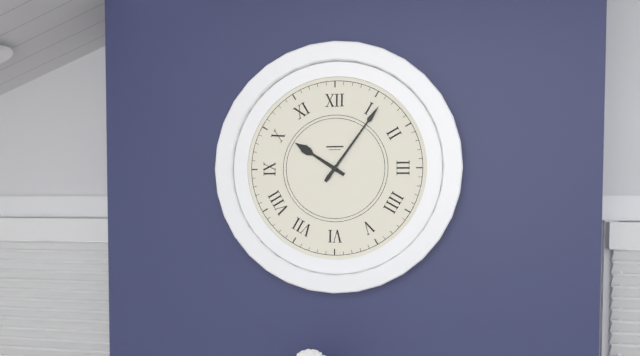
10:06
